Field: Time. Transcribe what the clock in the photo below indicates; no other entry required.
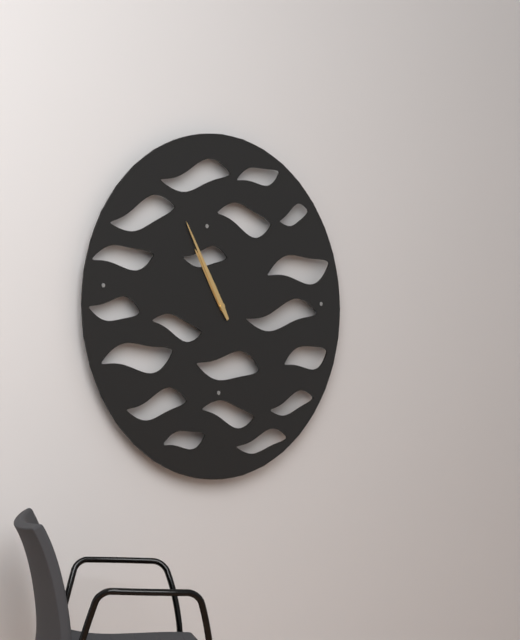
10:55
